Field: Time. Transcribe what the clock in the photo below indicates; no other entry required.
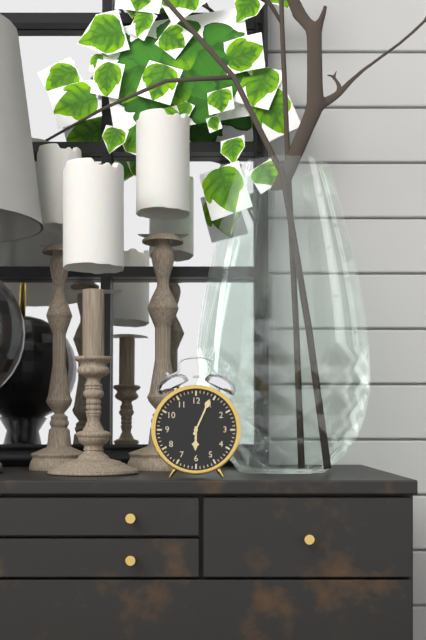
6:04
